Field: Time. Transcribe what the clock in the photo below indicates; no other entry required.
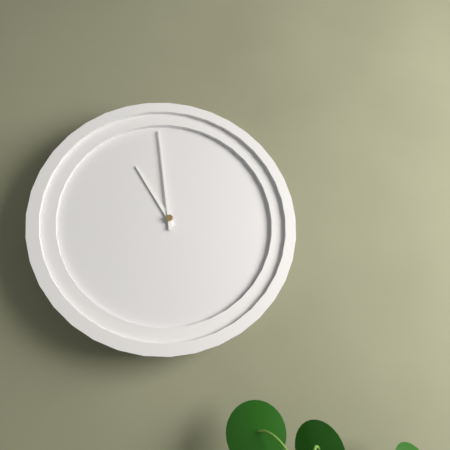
10:59
